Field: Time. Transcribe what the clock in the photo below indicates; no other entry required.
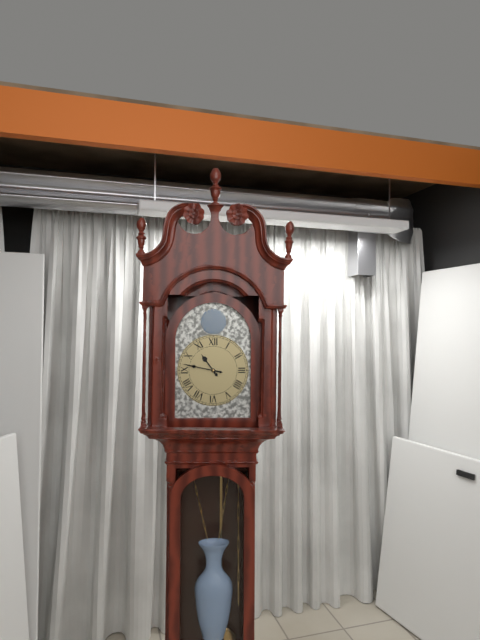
10:47
